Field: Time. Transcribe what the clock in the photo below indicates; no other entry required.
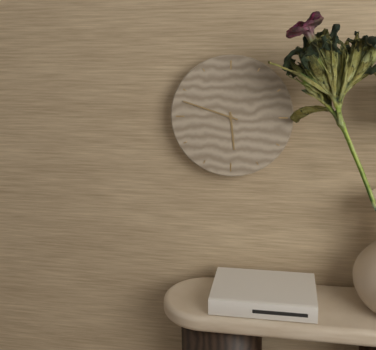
5:48
